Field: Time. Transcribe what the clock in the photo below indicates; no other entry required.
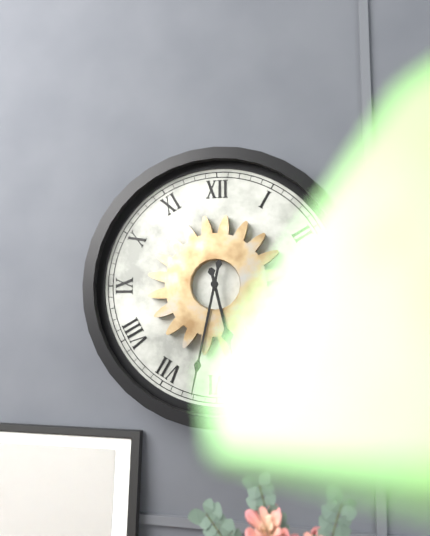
5:32
